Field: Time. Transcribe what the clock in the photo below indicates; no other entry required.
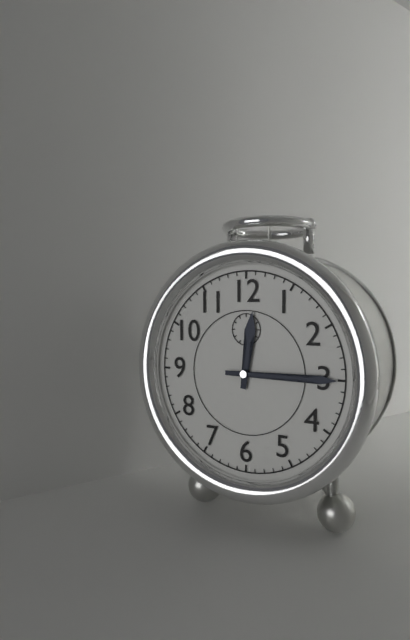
12:15
